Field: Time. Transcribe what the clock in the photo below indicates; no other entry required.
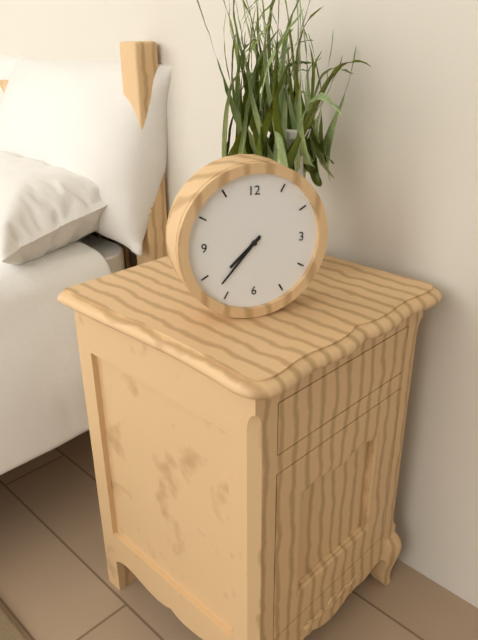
7:37
